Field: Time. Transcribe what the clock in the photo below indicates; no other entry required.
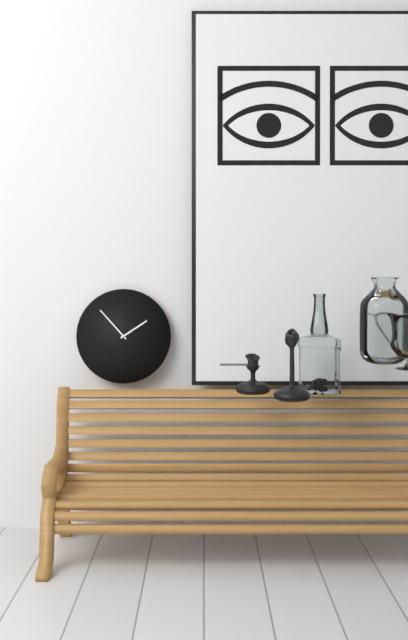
1:53
